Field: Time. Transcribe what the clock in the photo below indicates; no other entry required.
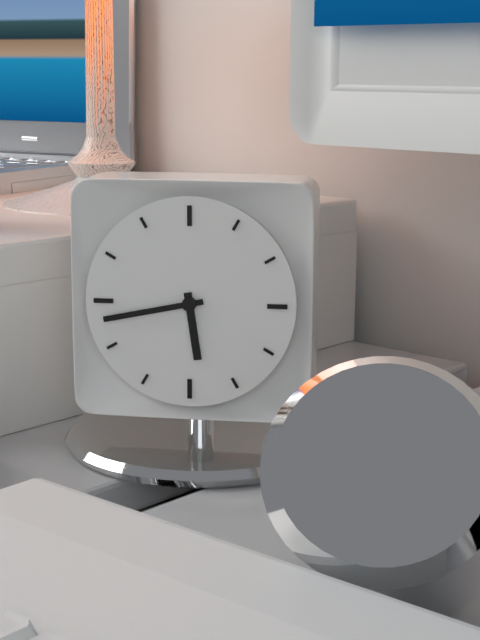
5:43
